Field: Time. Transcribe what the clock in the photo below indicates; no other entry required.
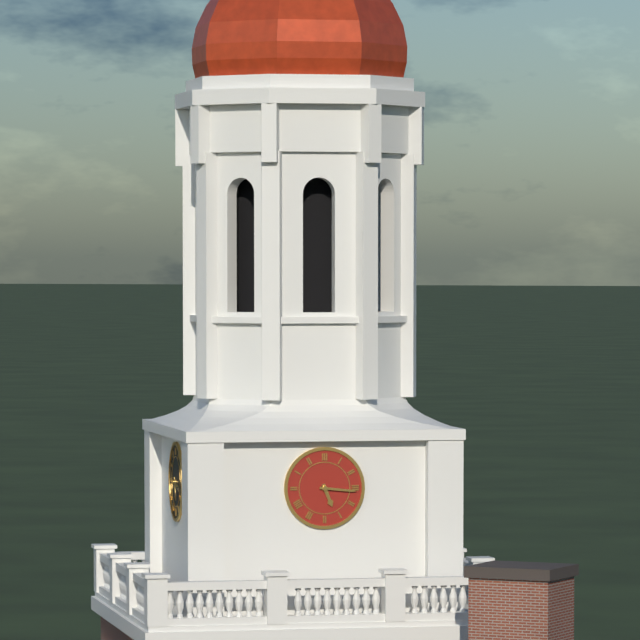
5:16
